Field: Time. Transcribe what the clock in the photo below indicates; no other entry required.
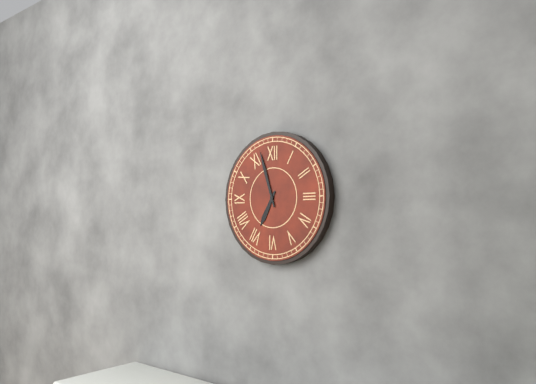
6:57
